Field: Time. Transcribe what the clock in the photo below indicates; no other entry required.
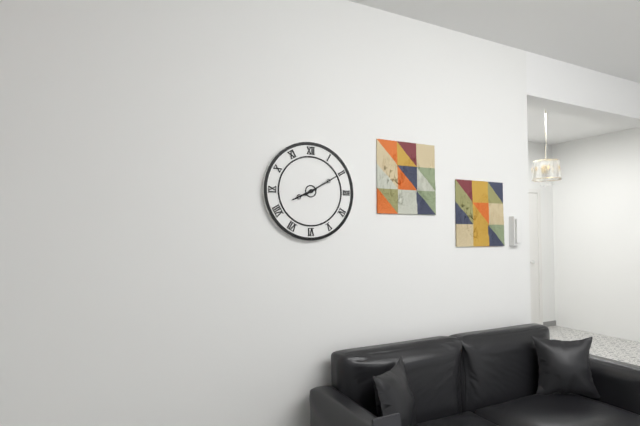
8:10
